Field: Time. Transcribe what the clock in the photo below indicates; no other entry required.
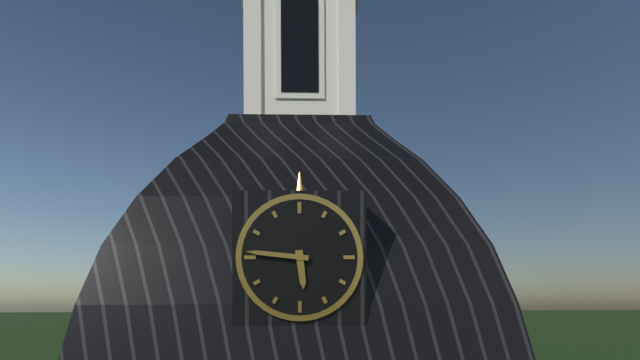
5:46
